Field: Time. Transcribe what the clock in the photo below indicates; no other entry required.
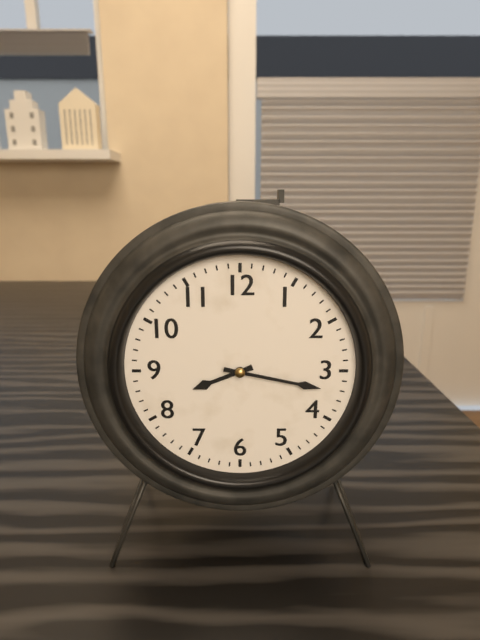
8:17
